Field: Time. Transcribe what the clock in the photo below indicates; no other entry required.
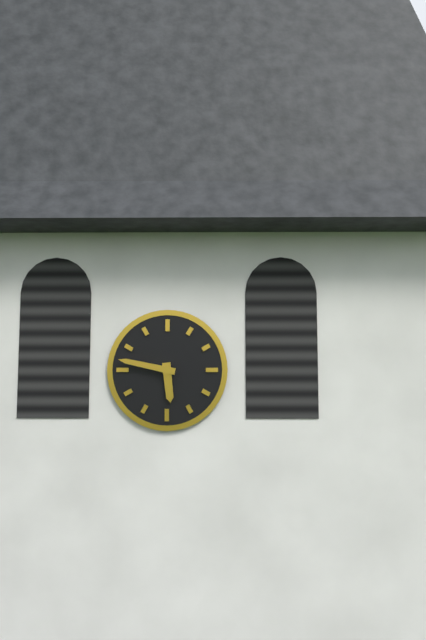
5:47
